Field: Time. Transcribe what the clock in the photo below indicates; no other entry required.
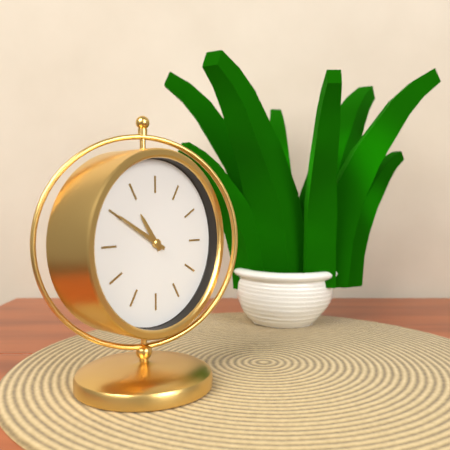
10:50
